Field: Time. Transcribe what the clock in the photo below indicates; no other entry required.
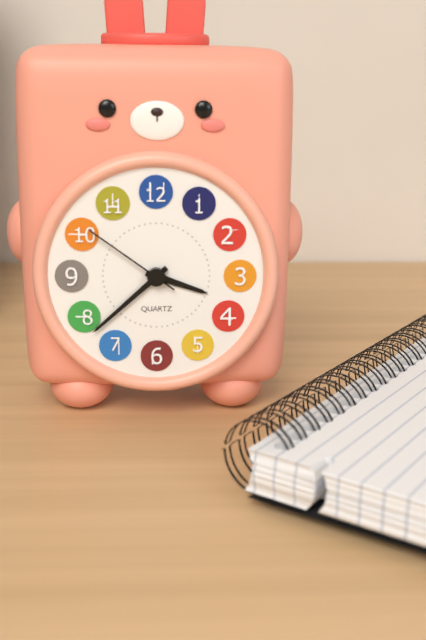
3:38:51
